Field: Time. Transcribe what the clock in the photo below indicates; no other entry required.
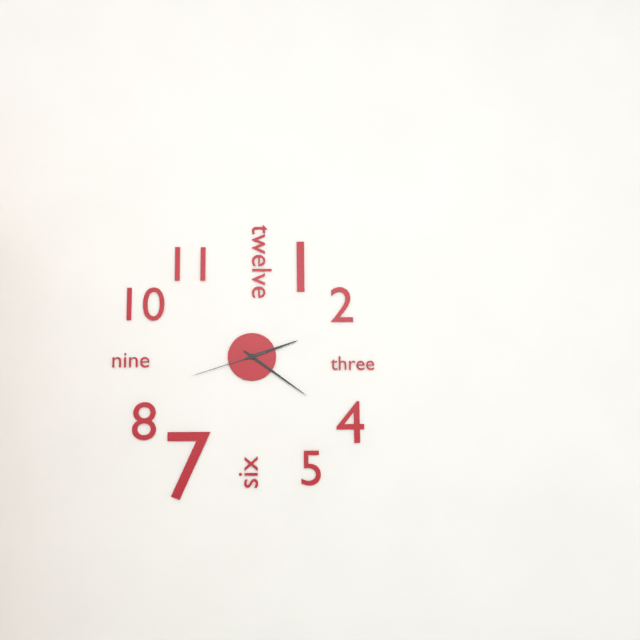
2:21:42
